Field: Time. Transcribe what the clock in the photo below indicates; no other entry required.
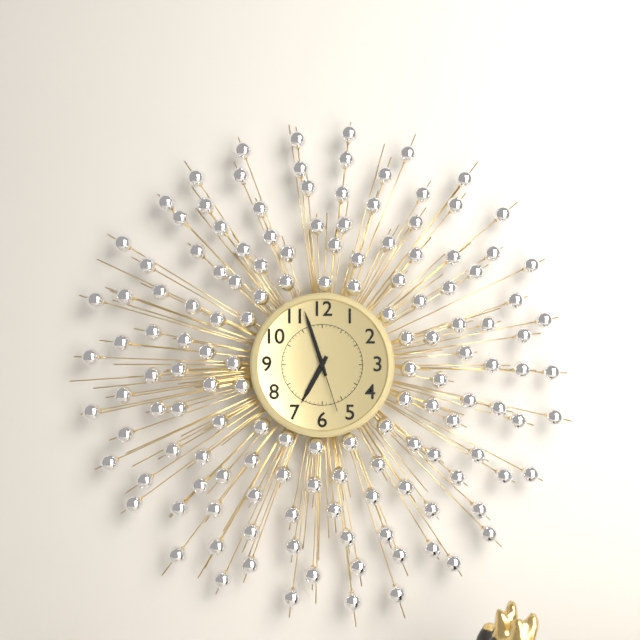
6:57:27
